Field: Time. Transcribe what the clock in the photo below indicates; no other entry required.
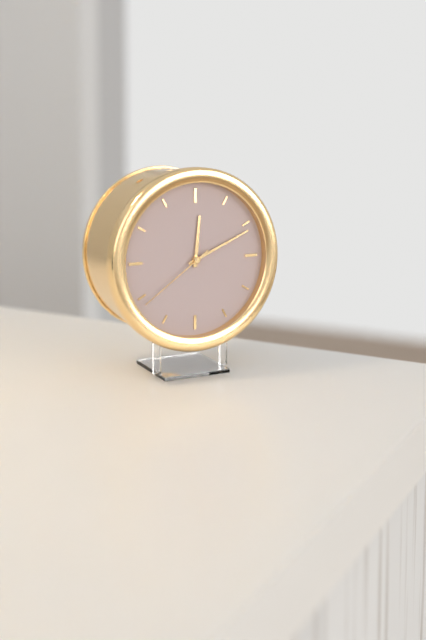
12:11:39
